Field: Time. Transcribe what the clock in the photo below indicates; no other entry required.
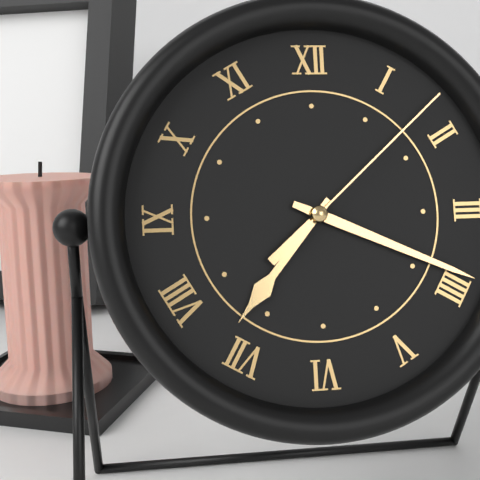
7:19:08
